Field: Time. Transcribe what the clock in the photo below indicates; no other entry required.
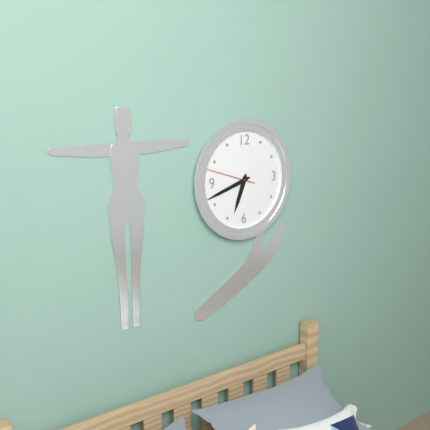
6:42:48
